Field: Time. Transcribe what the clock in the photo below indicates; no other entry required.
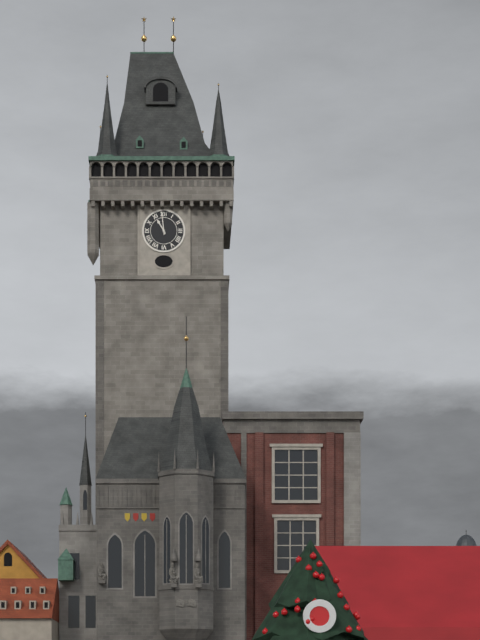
10:59
